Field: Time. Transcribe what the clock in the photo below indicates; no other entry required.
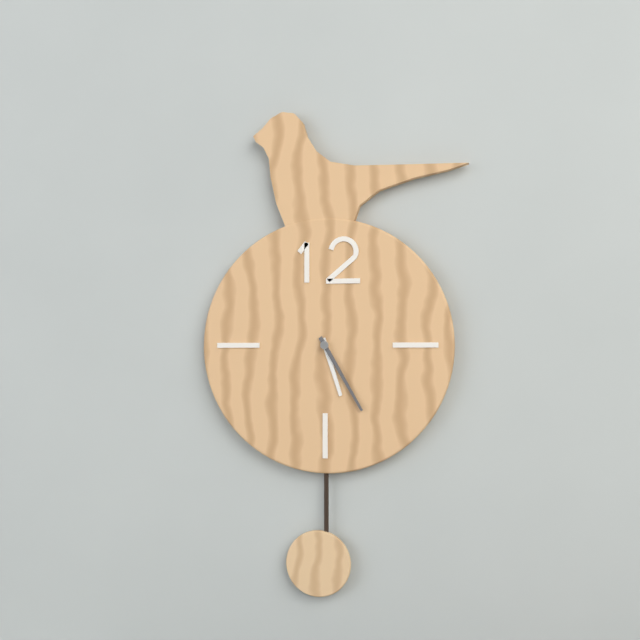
5:25
